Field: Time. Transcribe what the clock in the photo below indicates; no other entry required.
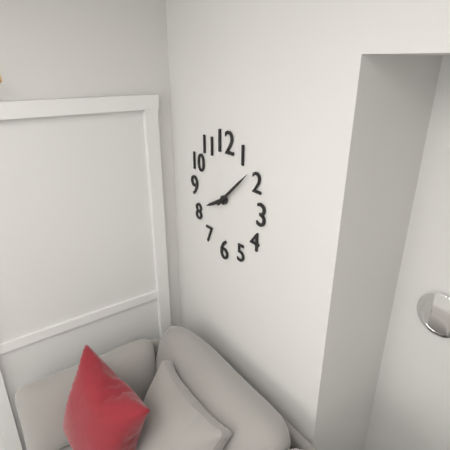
8:08
